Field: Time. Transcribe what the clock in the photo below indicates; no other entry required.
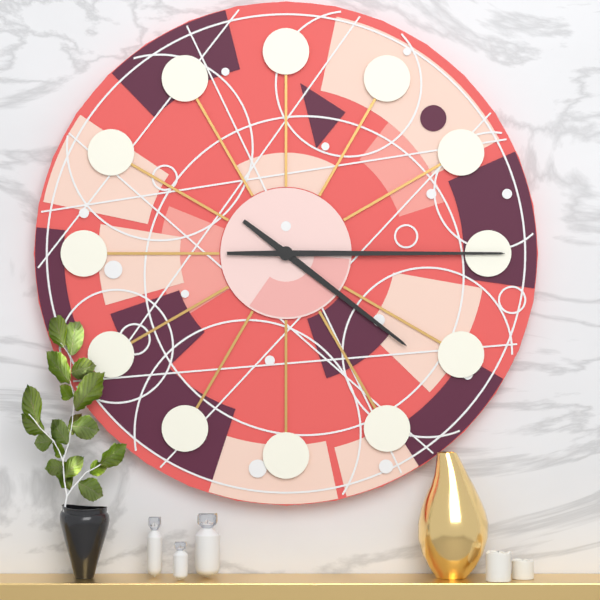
4:15
